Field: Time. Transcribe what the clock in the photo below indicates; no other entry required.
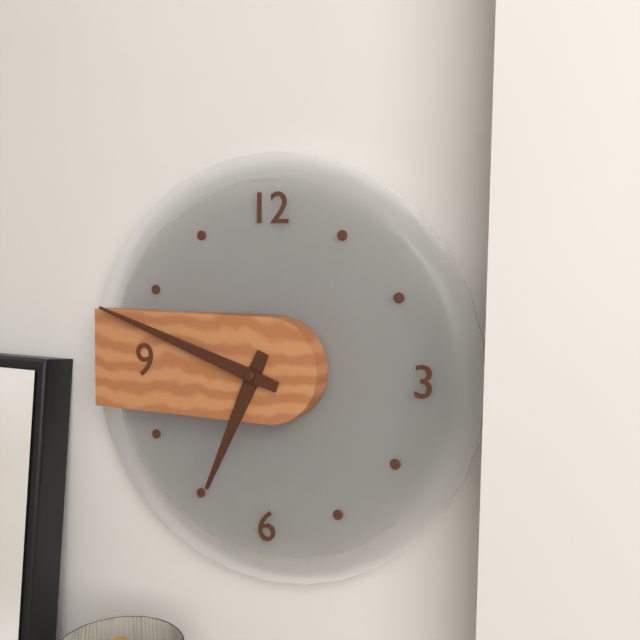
6:48
